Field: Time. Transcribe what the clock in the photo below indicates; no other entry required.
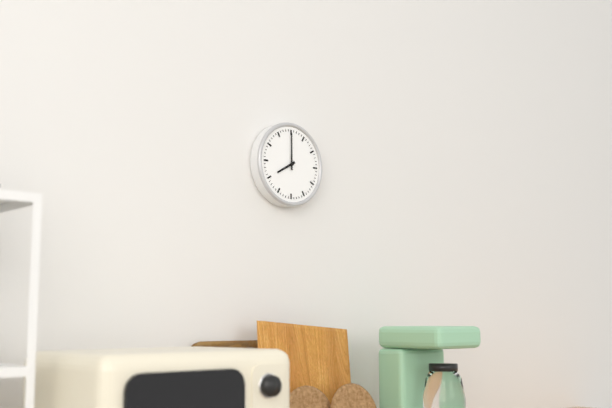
8:00
